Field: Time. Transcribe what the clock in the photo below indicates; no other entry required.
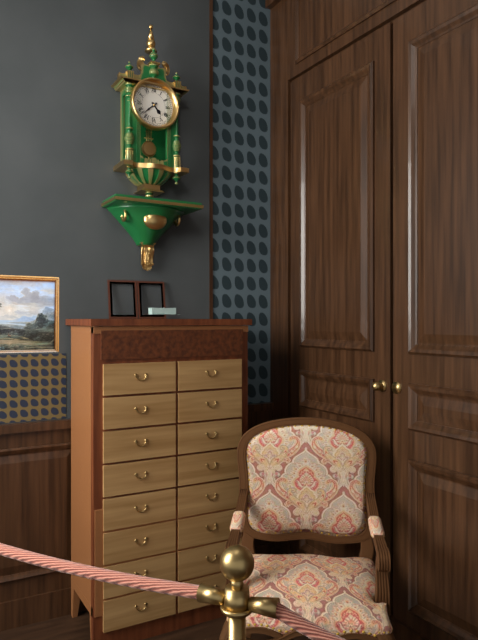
4:38
